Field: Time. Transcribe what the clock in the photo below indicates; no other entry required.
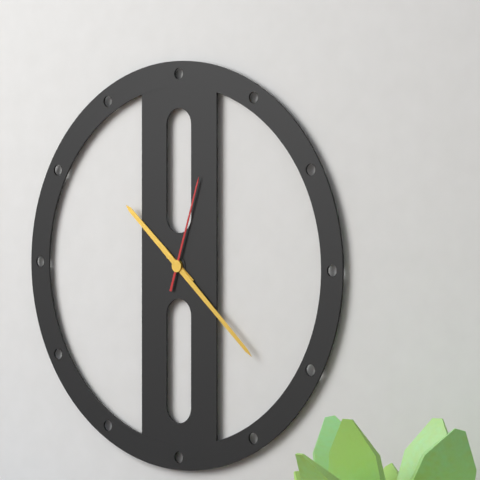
10:22:03
